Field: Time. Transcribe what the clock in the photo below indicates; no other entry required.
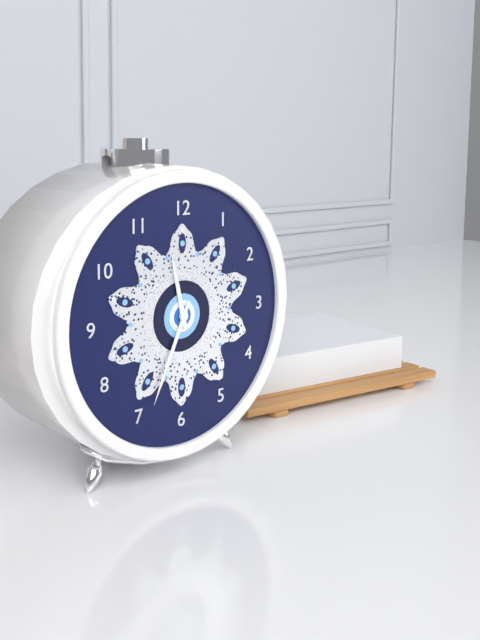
11:34
